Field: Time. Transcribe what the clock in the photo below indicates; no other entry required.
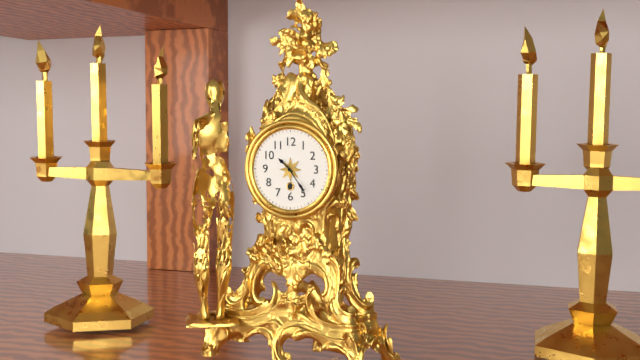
10:24
